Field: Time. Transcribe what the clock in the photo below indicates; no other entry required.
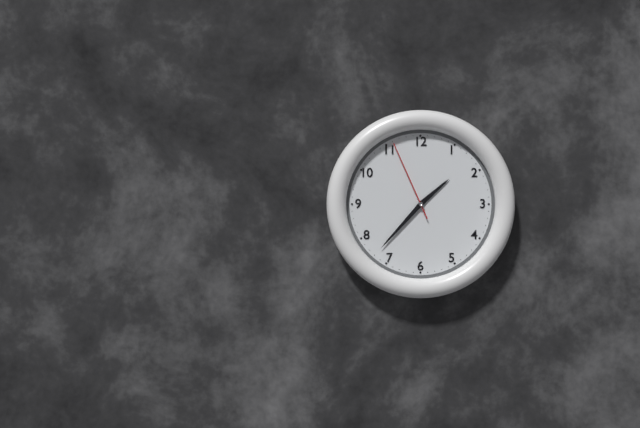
1:37:56
